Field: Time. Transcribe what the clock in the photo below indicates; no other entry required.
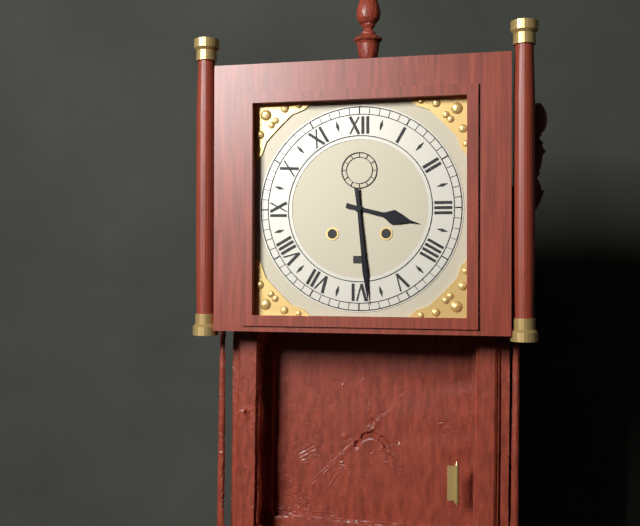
3:29
